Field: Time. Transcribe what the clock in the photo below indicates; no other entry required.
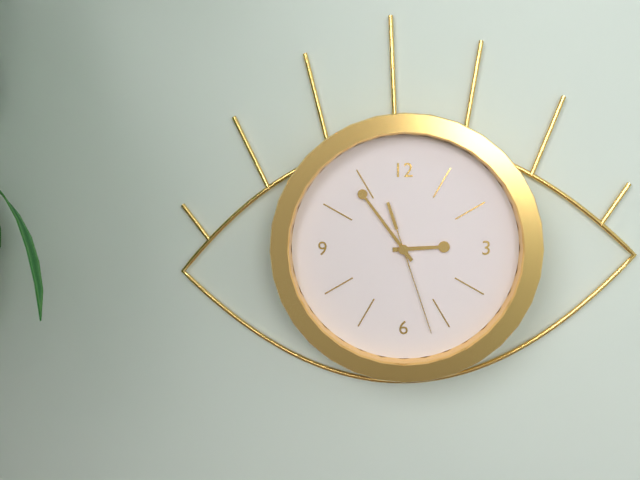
2:54:27
